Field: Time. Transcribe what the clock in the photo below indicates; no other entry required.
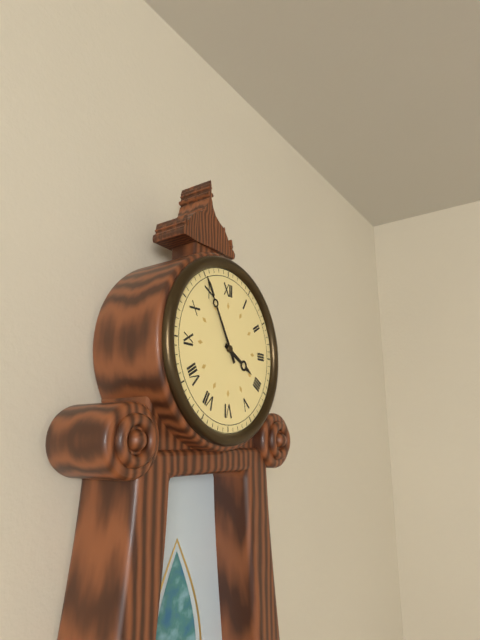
3:55
